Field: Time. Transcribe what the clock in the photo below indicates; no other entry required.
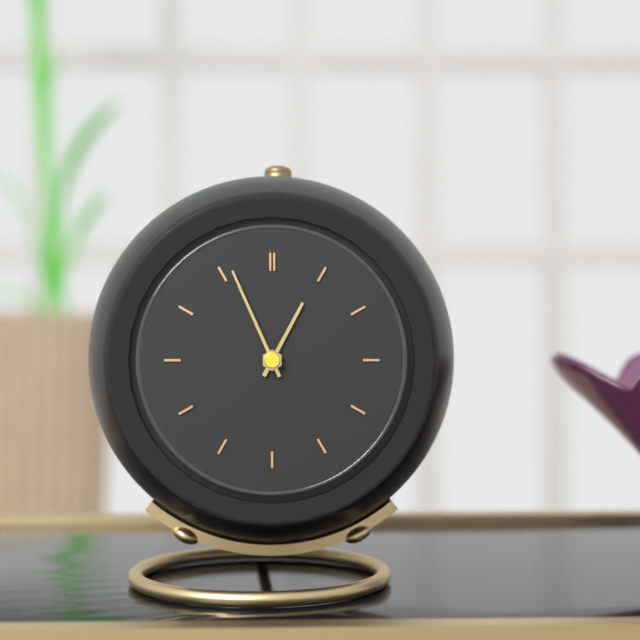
12:56
